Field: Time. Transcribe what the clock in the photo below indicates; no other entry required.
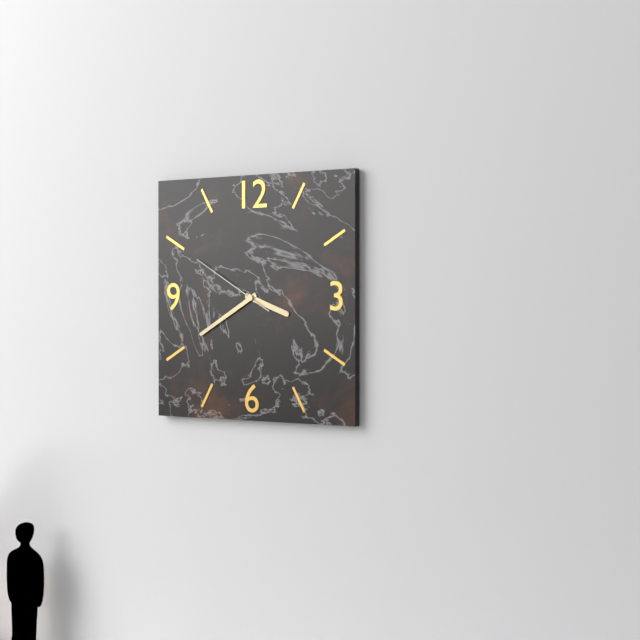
3:40:50
